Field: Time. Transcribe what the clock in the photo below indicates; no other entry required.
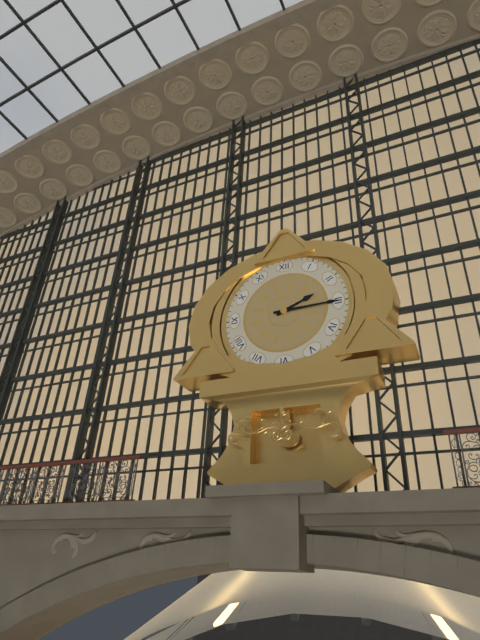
2:15
